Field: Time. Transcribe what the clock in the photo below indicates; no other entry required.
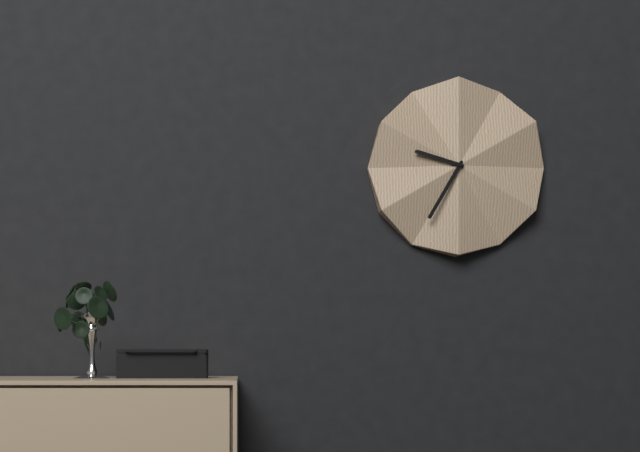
9:35
